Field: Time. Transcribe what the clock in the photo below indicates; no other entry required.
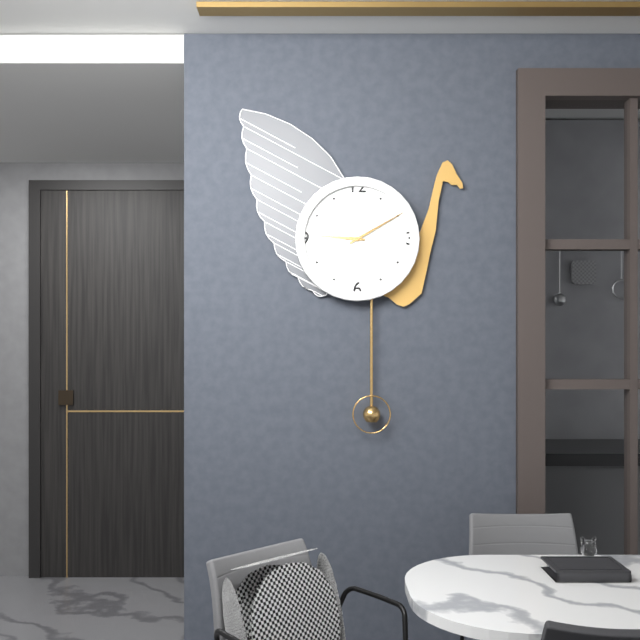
9:10
